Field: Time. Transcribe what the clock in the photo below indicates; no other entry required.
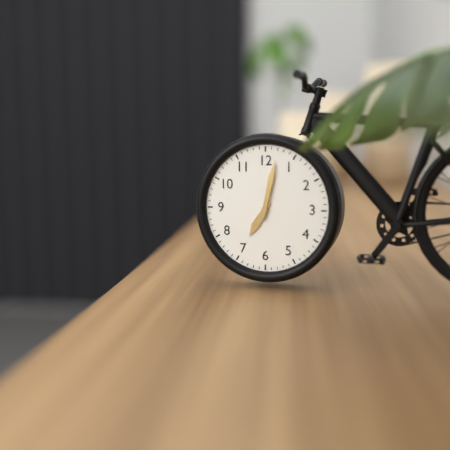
7:02
